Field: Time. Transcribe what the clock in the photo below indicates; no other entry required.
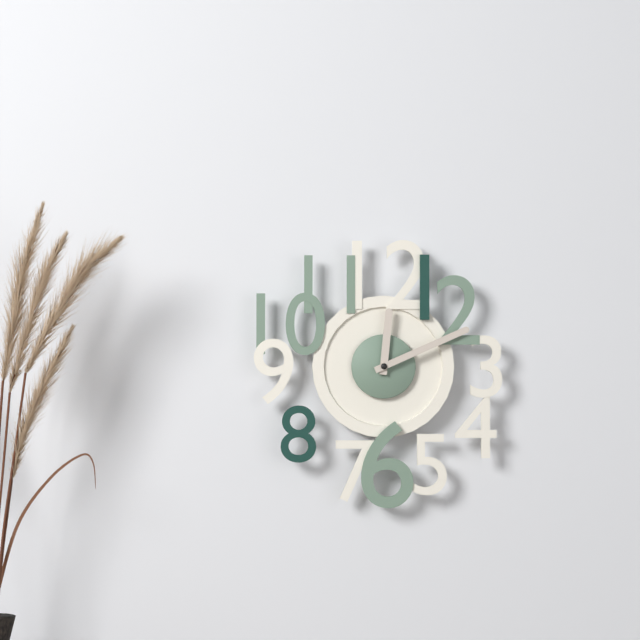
12:11
